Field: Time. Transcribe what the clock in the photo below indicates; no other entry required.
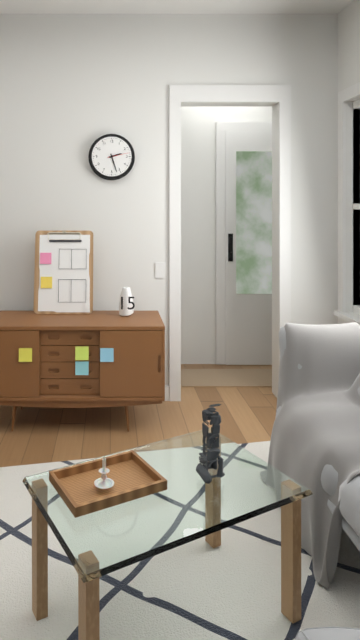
2:27
